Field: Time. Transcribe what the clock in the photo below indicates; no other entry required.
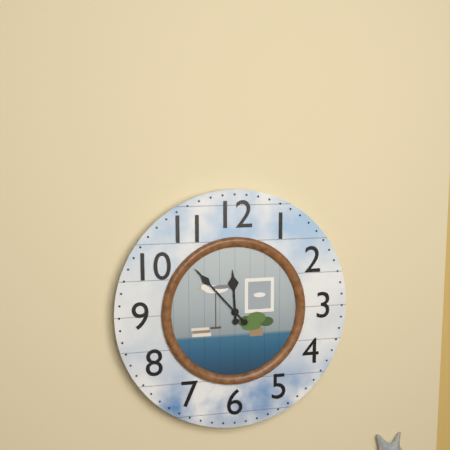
11:53
